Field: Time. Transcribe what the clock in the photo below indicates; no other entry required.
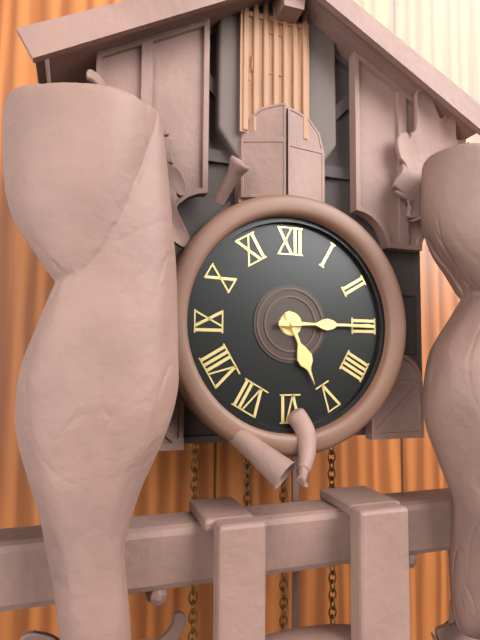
5:15
